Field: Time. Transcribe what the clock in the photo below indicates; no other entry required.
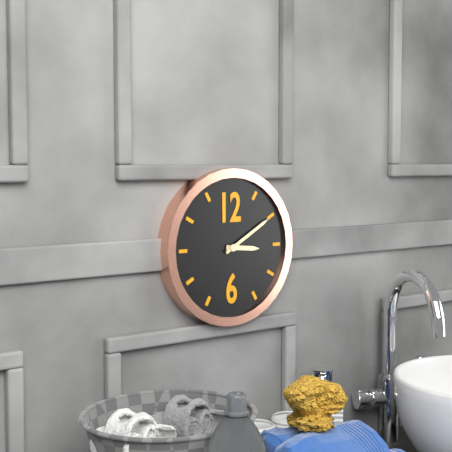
3:10
